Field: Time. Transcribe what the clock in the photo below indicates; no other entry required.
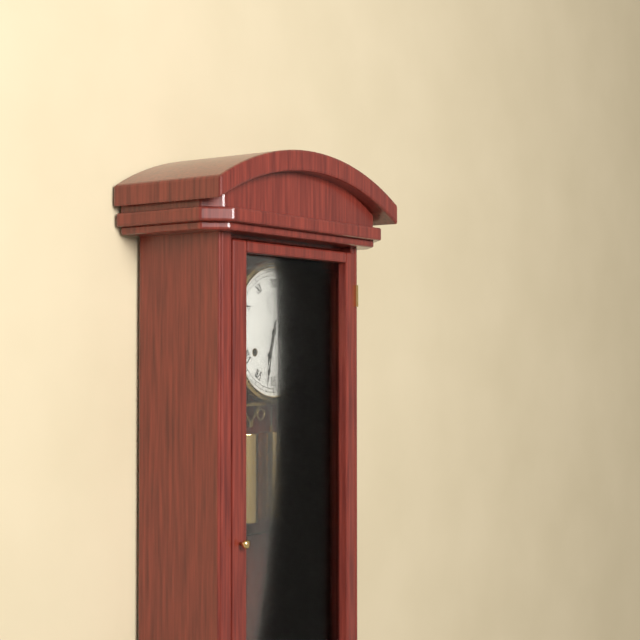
6:32
